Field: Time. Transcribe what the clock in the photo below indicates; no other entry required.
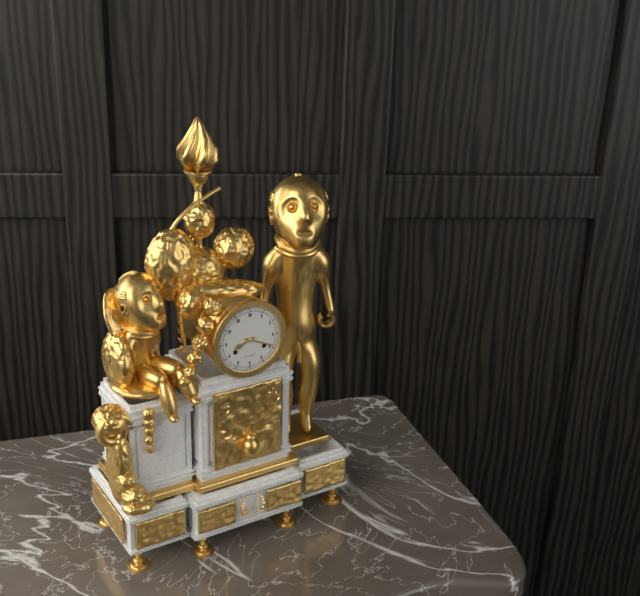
8:19
